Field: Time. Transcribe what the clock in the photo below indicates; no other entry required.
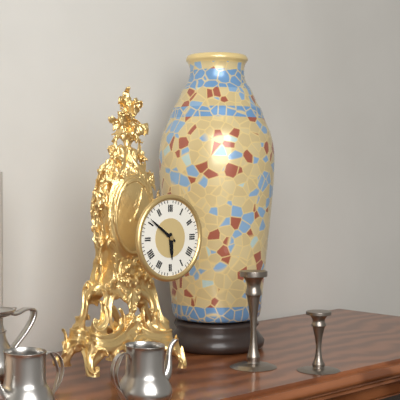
5:51
